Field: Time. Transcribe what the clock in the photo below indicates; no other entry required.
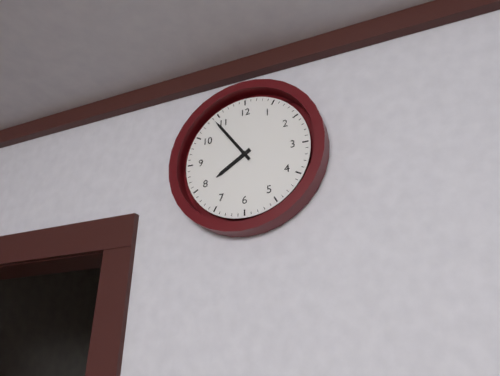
7:54
